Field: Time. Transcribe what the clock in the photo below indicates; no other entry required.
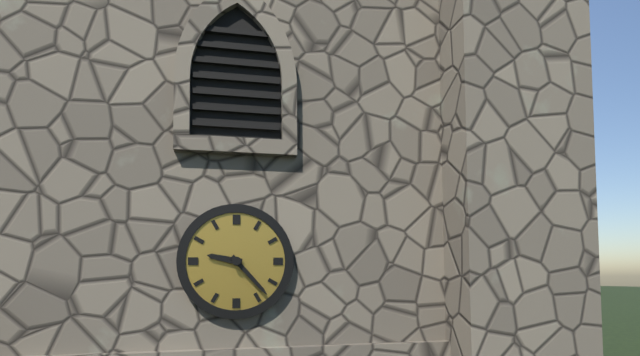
9:23
